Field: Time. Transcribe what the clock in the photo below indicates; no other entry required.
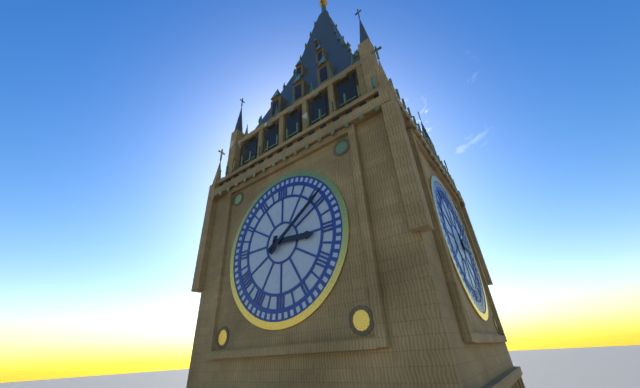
3:09
